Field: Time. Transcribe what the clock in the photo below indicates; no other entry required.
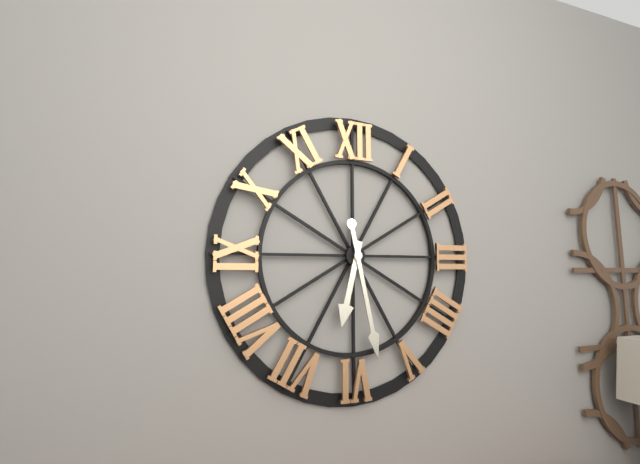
6:28
